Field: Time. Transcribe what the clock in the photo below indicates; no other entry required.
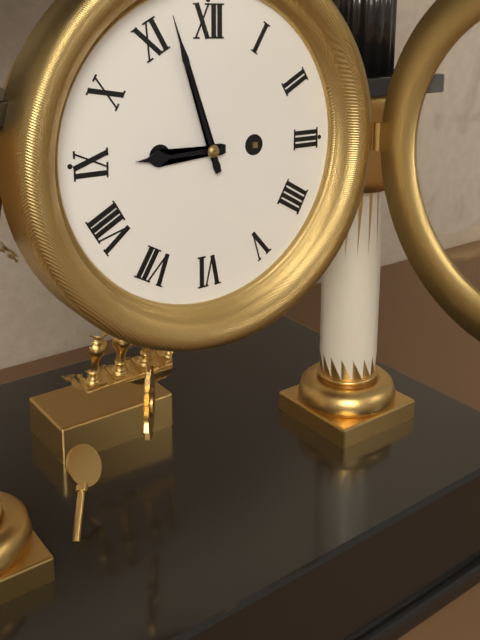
8:57
